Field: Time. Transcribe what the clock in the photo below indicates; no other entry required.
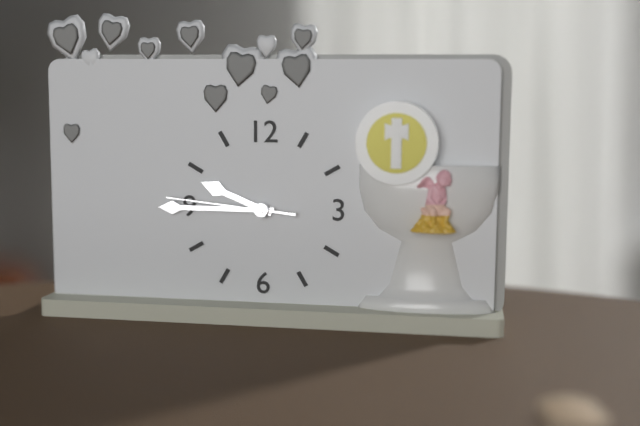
9:45:46
